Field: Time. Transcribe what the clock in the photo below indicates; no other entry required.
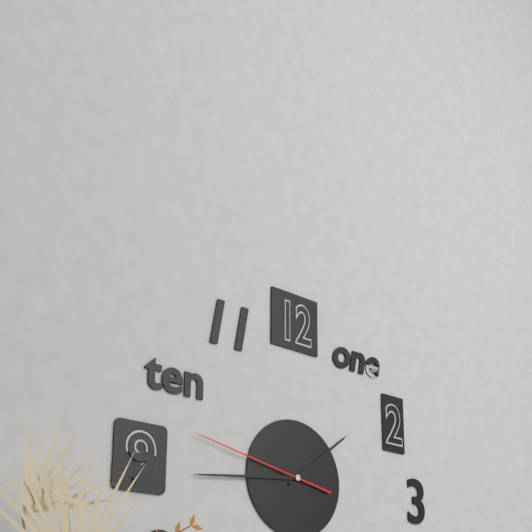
1:44:47
